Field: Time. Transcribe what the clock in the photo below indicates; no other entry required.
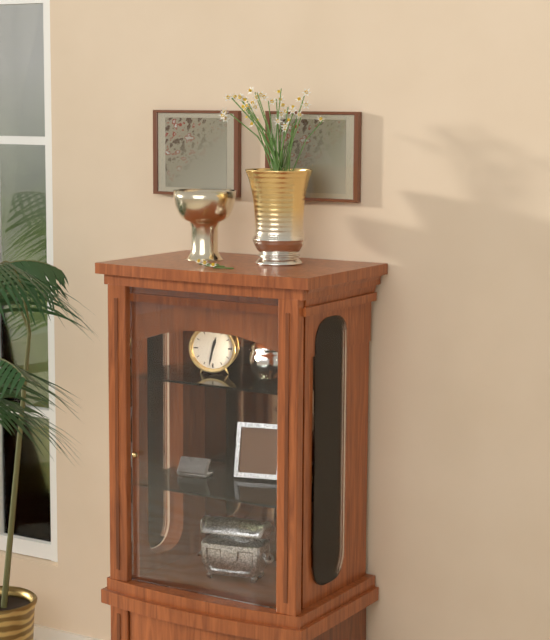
12:32
